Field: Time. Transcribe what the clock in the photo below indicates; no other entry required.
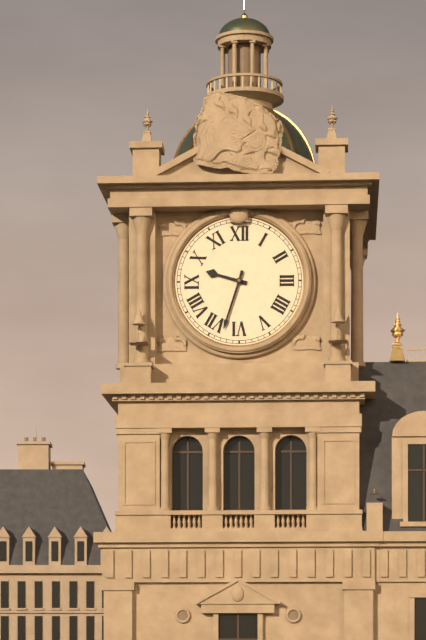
9:33
